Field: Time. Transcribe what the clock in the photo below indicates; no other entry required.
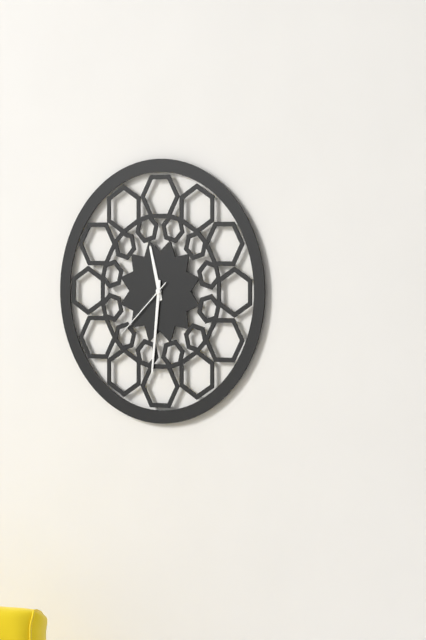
11:31:38
